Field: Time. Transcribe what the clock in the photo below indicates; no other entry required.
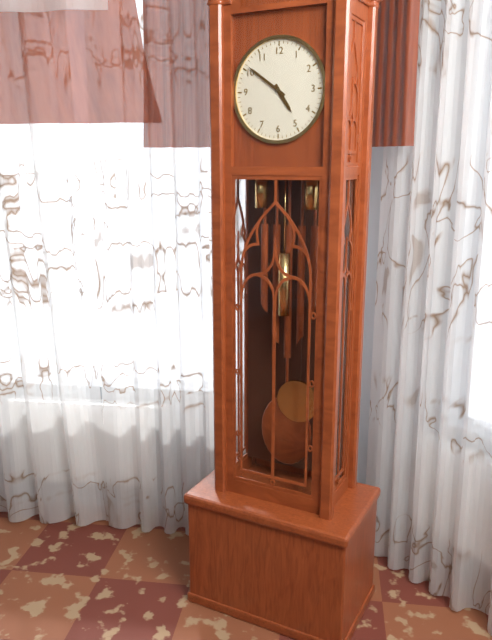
4:51
